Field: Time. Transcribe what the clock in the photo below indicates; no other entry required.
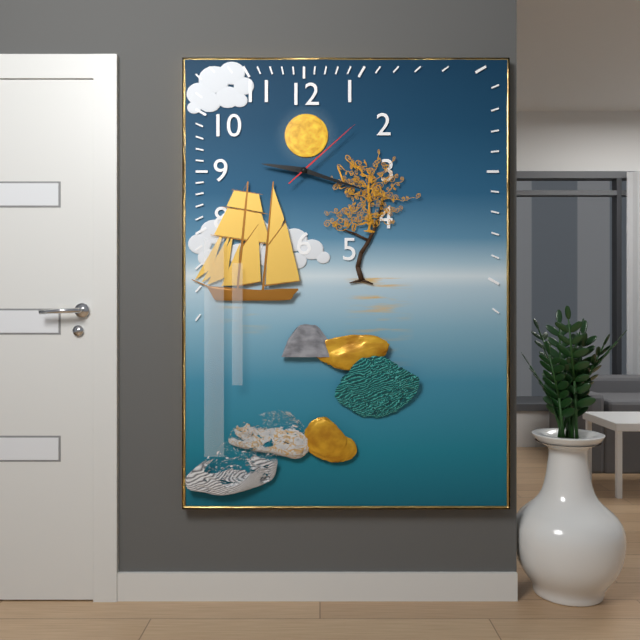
9:18:08
